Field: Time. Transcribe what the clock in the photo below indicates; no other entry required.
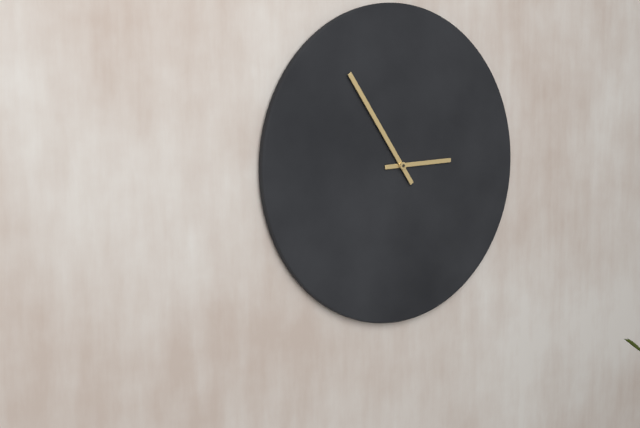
2:54
